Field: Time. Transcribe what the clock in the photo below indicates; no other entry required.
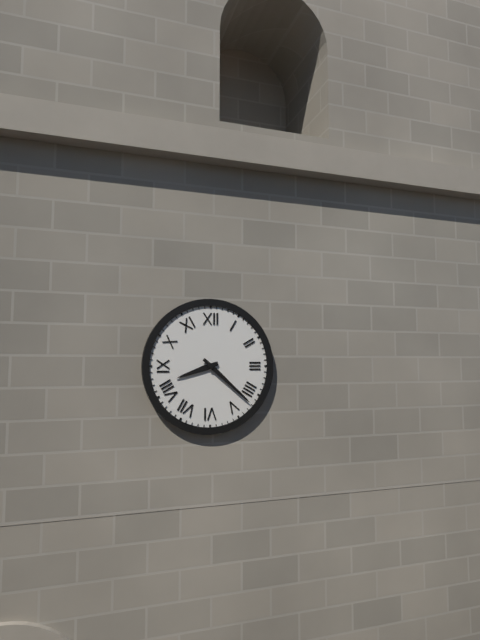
8:22
